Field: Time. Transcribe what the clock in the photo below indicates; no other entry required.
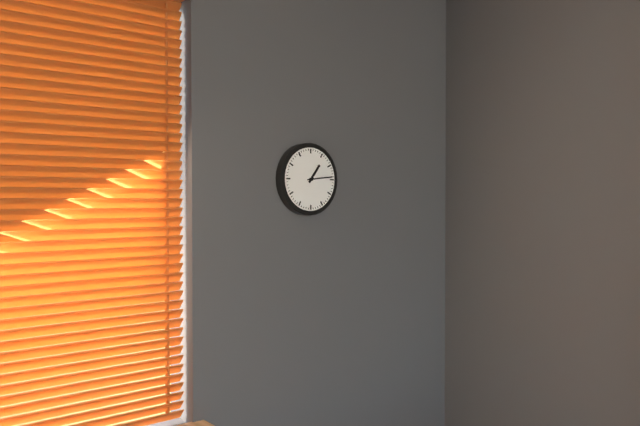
1:14
